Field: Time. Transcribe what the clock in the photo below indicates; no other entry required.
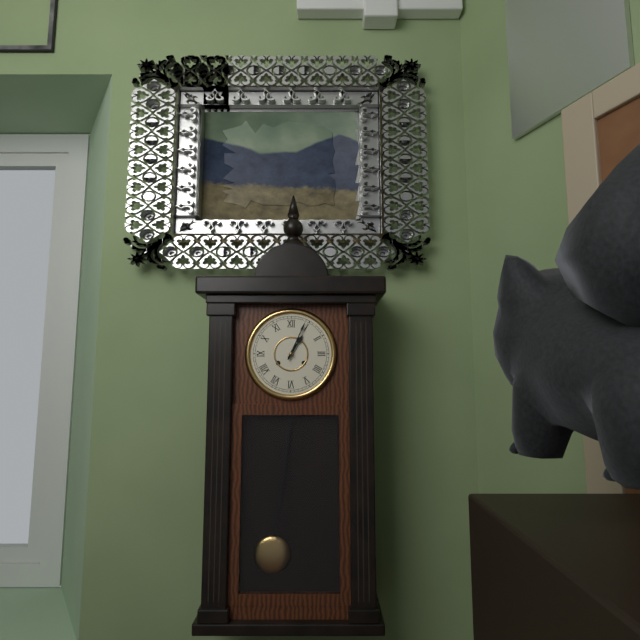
1:04
